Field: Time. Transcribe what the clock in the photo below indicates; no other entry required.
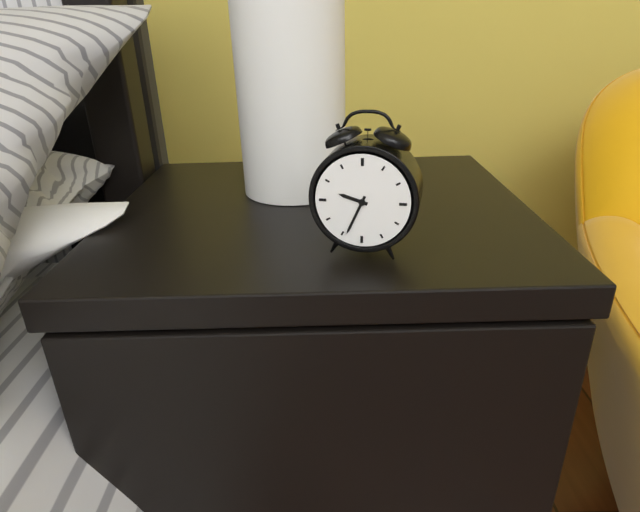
9:34
